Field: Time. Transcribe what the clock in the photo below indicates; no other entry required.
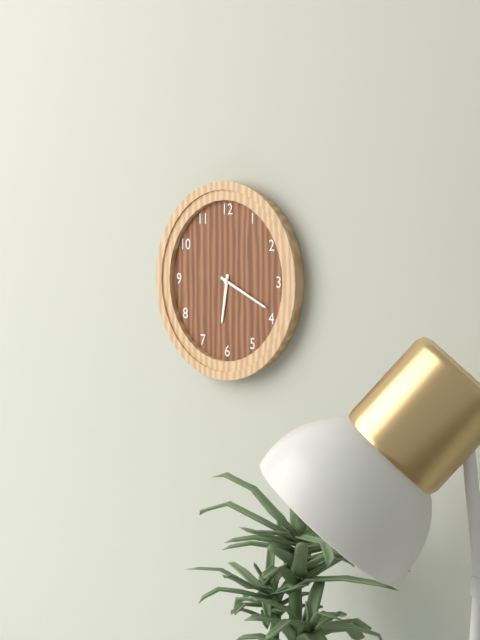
6:19
